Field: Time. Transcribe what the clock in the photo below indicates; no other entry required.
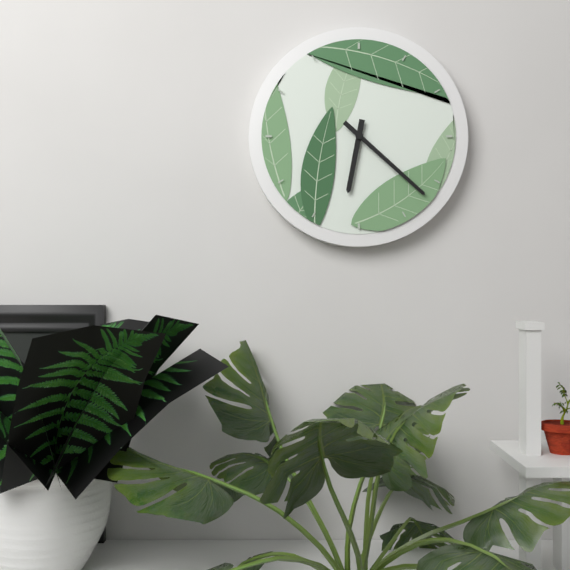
6:22
